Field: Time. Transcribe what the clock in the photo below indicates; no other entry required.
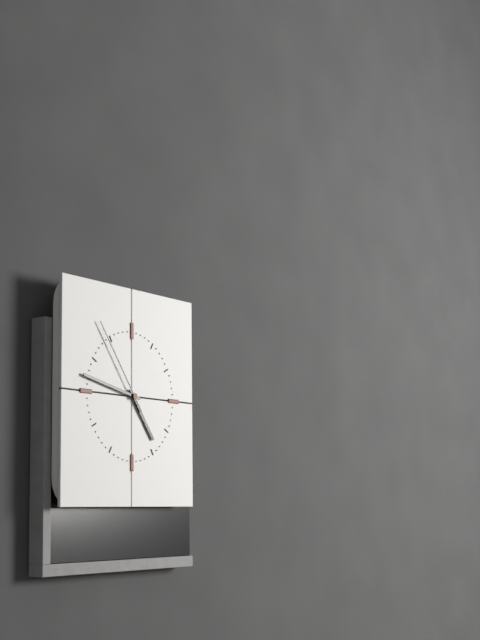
4:47:54
